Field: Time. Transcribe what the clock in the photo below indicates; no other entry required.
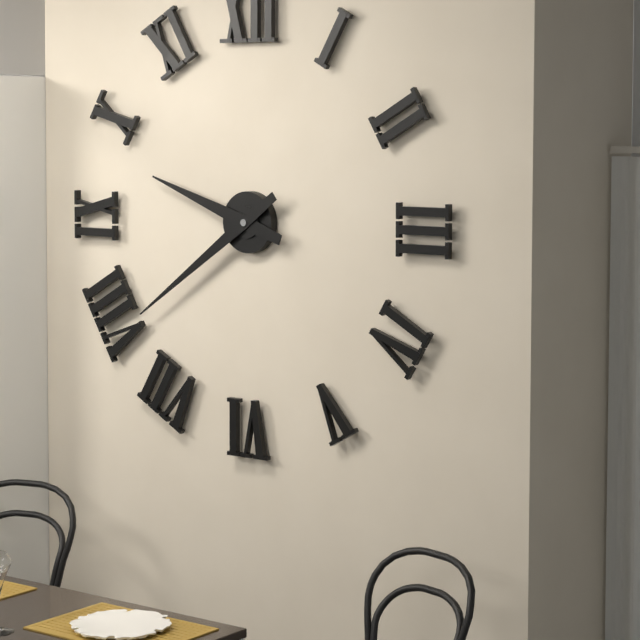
9:39
